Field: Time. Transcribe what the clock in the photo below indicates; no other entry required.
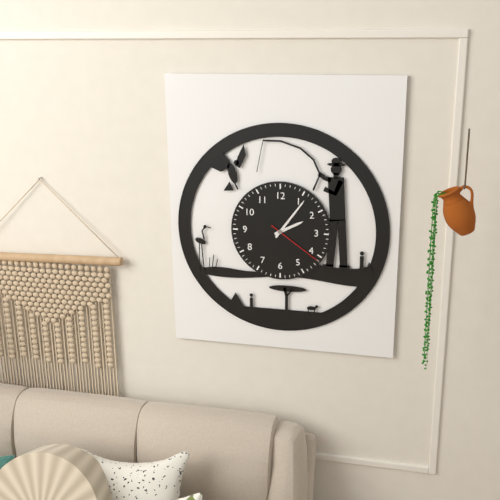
2:06:21
